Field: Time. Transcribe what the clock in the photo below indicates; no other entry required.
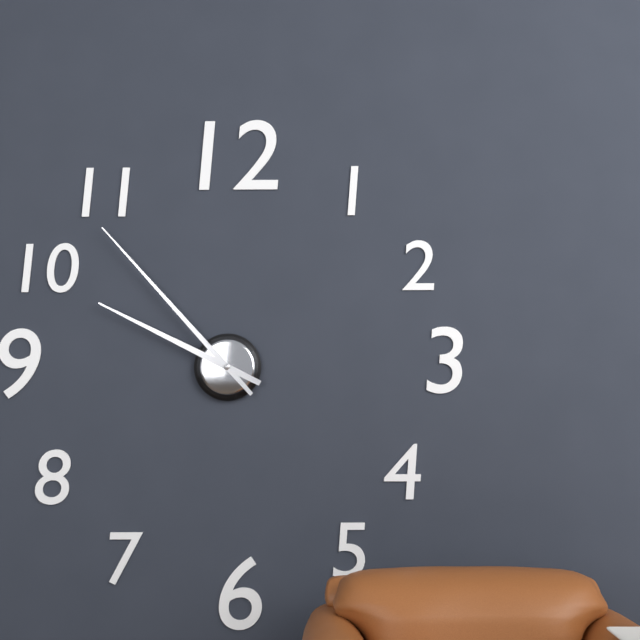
9:53
